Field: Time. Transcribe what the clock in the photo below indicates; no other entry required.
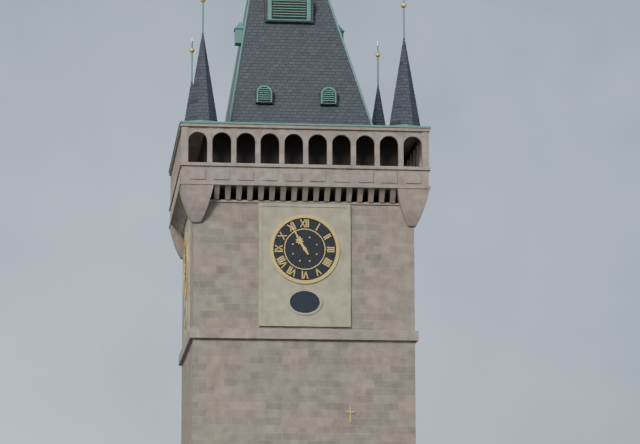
10:55
